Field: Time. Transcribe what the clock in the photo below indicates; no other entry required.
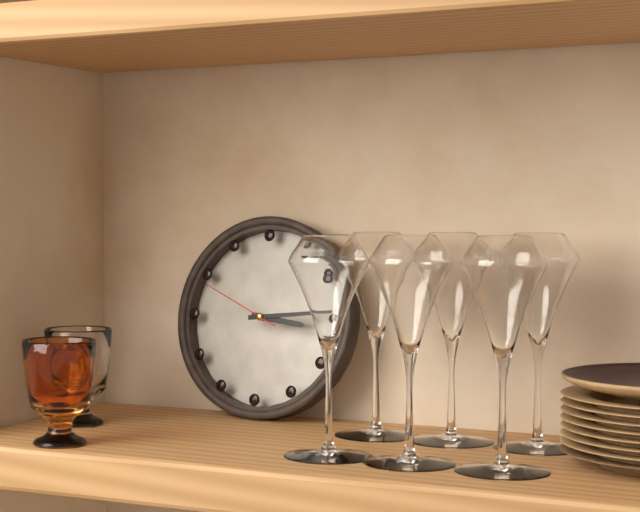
3:14:49
